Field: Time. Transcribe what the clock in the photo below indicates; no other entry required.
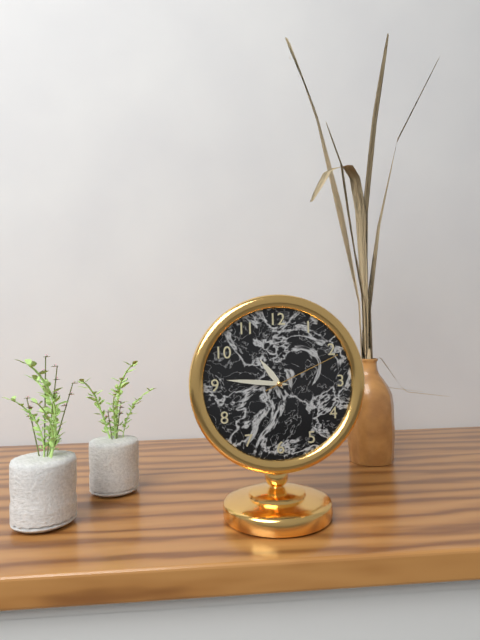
10:46:11
